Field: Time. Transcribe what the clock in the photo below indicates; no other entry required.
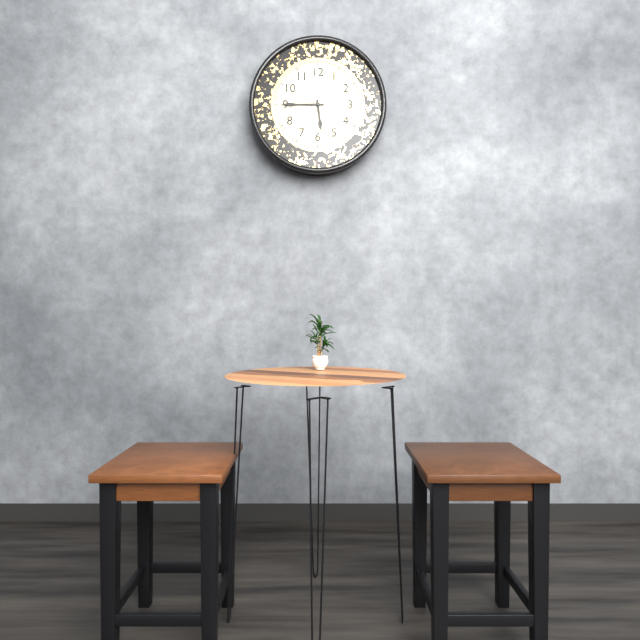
5:45
